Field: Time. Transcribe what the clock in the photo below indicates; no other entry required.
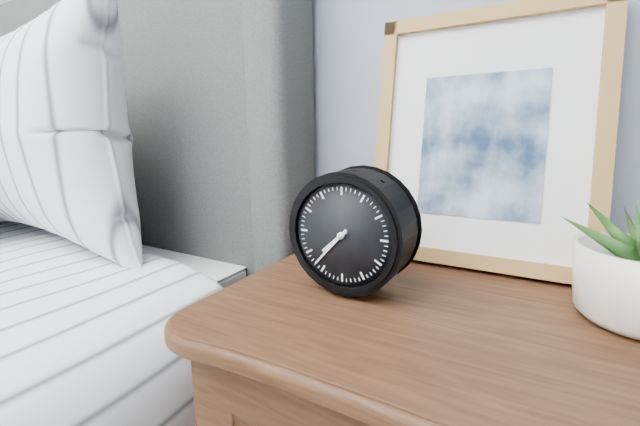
7:37
